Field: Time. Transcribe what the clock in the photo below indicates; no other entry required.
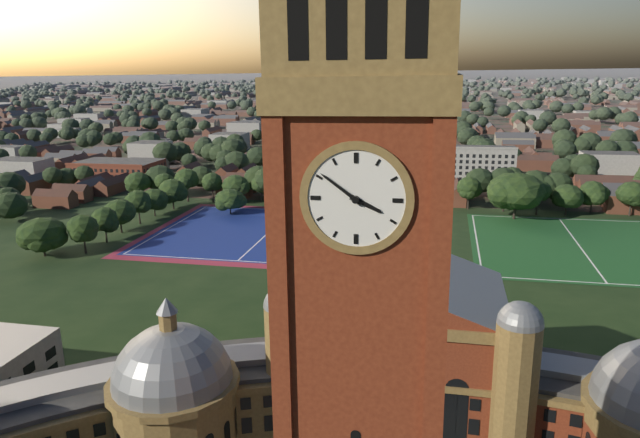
3:51
